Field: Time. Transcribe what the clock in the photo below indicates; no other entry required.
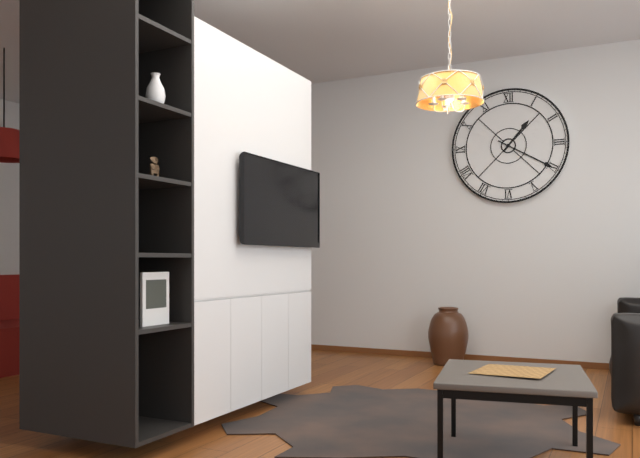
1:20
